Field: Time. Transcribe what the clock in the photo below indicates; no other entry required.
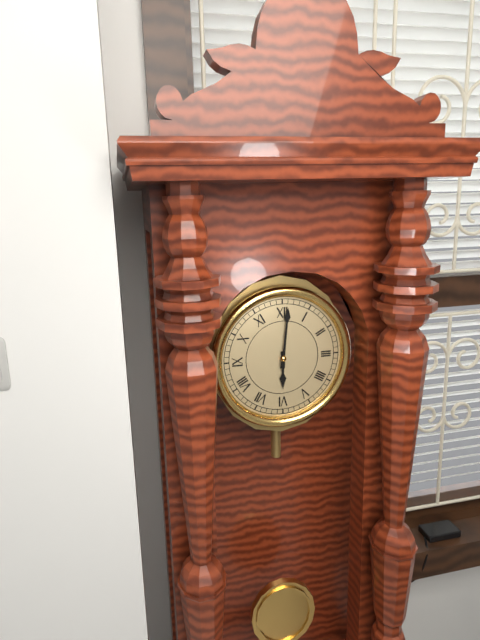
6:01
